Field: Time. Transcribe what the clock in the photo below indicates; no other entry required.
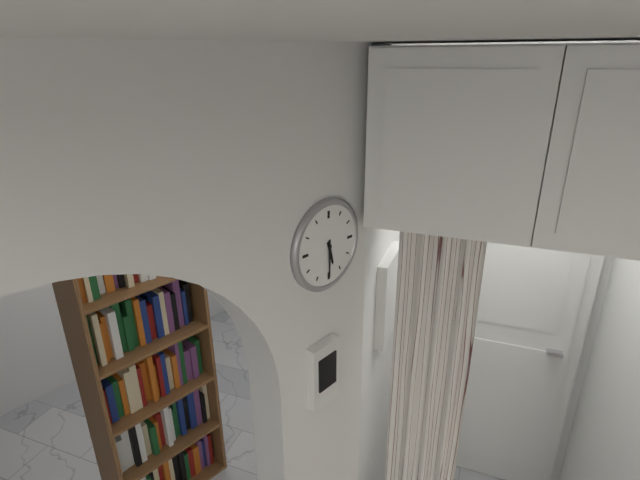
5:30
